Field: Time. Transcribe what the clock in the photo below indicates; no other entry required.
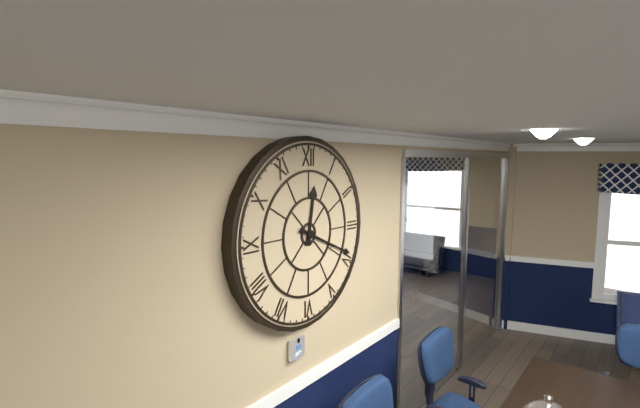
12:19
